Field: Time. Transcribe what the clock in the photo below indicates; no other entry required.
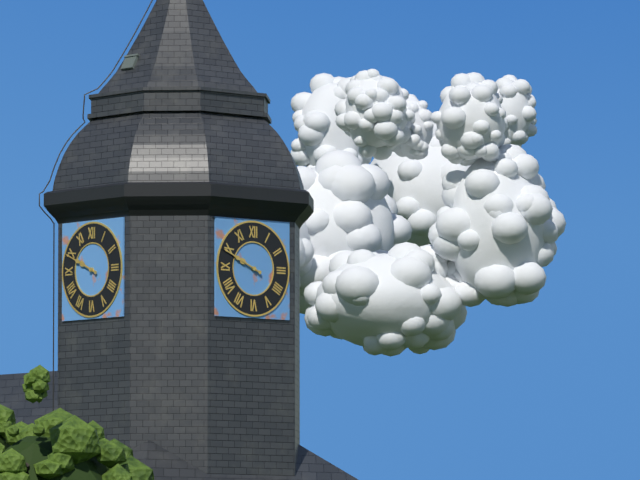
9:49
